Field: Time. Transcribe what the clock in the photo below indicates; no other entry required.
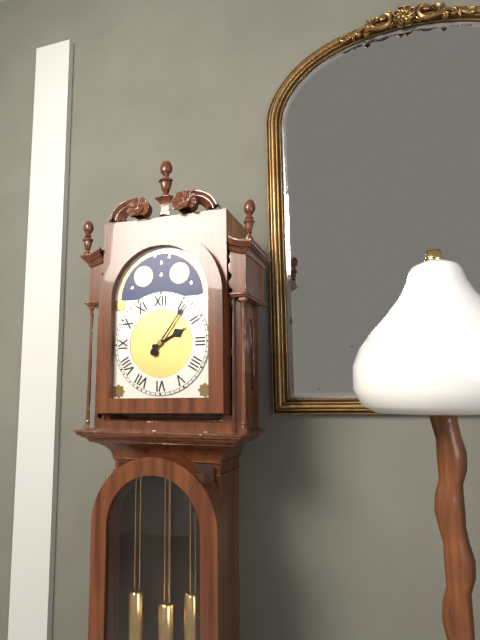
2:06
